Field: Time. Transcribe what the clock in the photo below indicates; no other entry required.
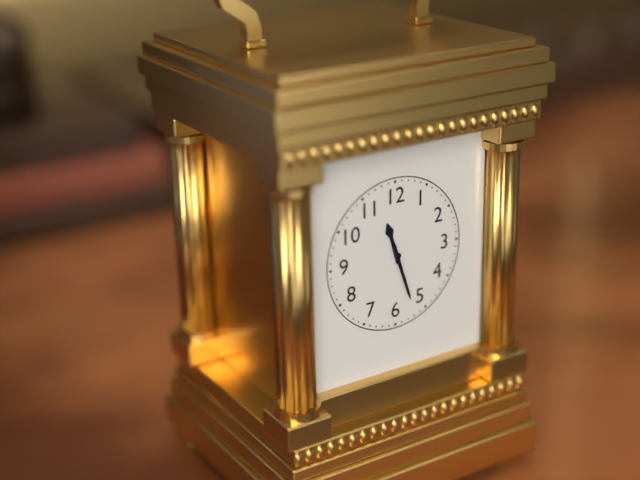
11:27
